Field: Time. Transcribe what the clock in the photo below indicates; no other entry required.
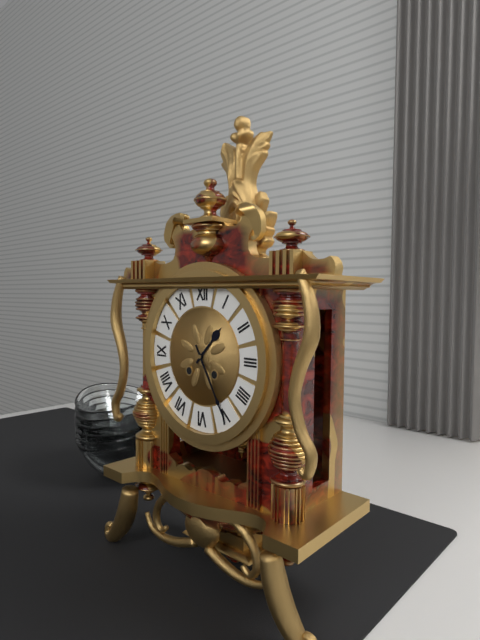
1:25
